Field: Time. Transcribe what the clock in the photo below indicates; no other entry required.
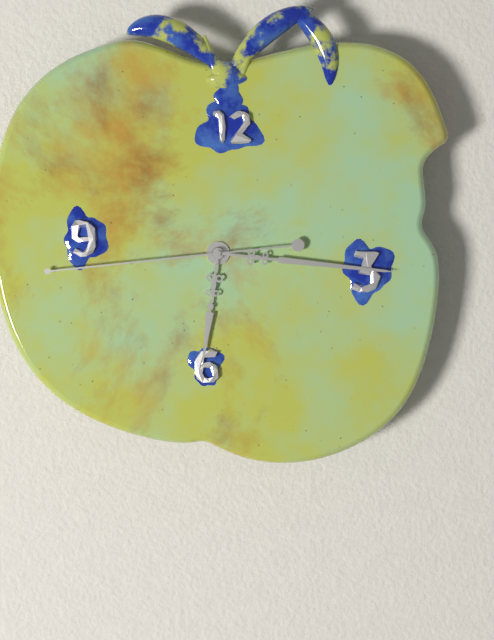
6:16:44
